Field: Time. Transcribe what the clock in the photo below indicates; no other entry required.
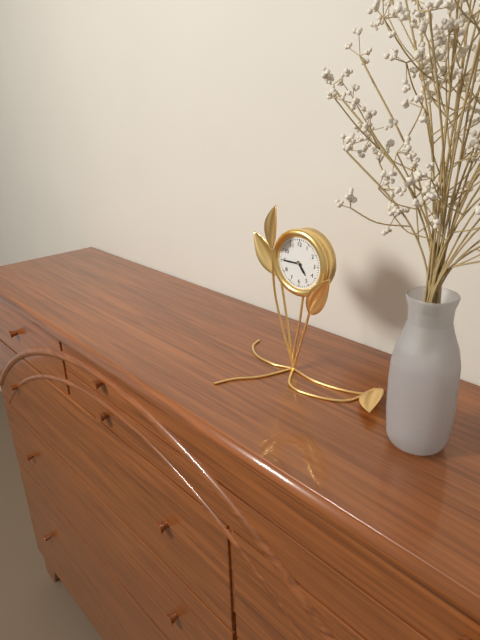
4:45
